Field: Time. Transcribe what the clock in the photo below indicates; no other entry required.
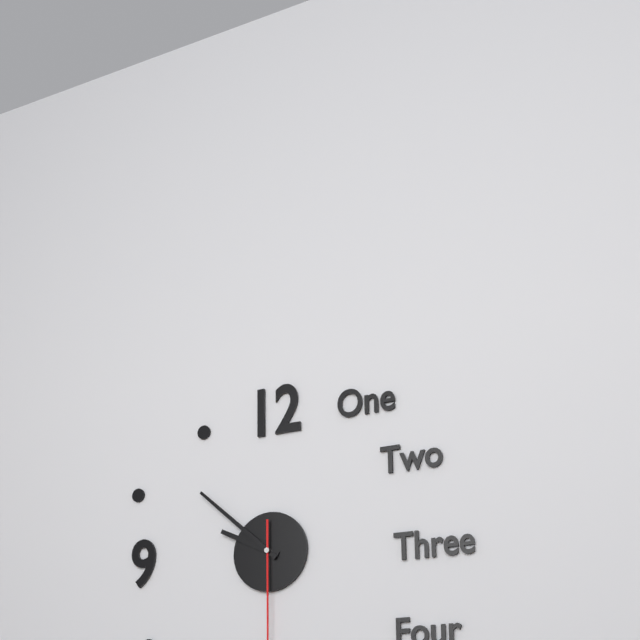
9:52
